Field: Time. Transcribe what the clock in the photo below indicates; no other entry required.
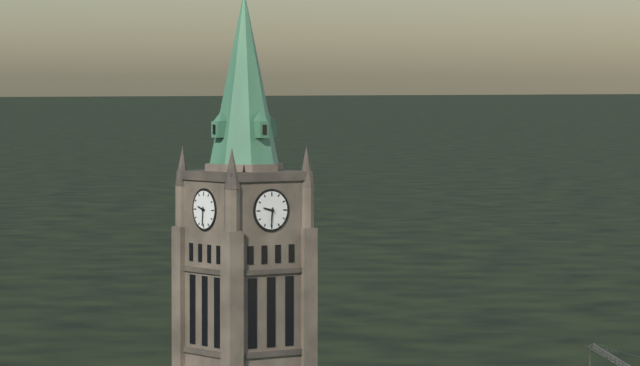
9:31
